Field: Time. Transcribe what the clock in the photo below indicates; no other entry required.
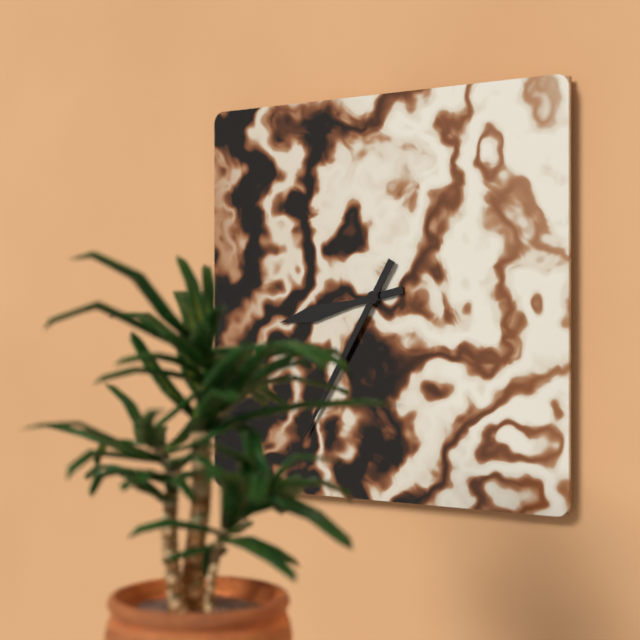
8:35
